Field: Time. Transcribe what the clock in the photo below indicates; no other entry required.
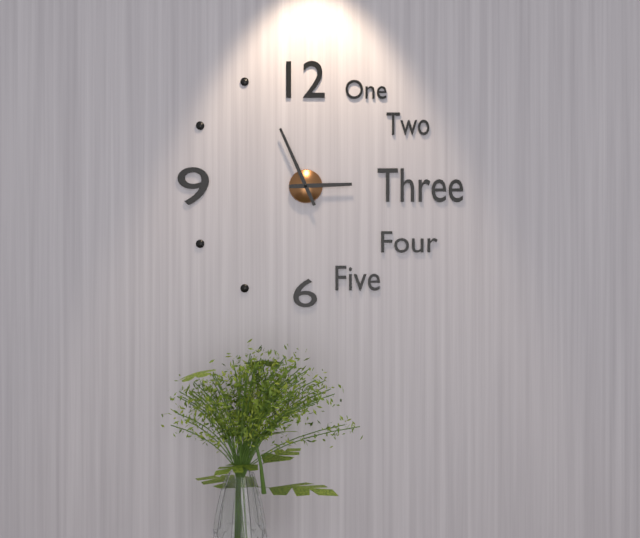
2:56
